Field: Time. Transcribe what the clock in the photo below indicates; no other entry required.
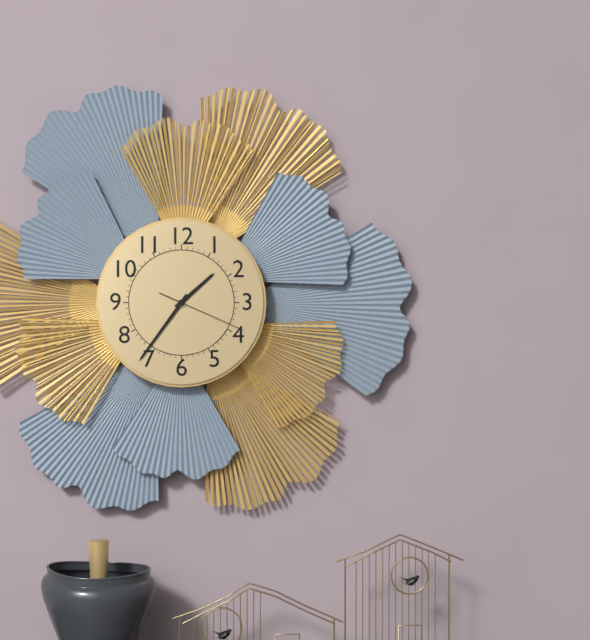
1:36:19
